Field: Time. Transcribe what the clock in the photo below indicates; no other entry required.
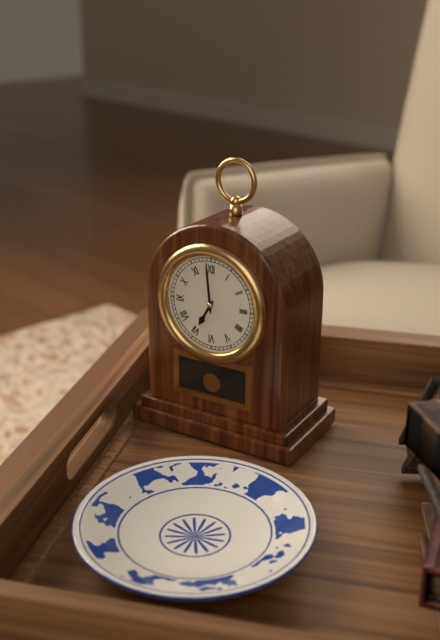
6:59
